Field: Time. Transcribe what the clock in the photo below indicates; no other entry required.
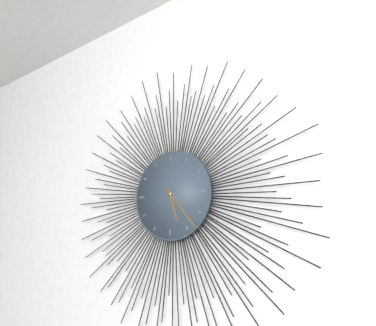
5:23
